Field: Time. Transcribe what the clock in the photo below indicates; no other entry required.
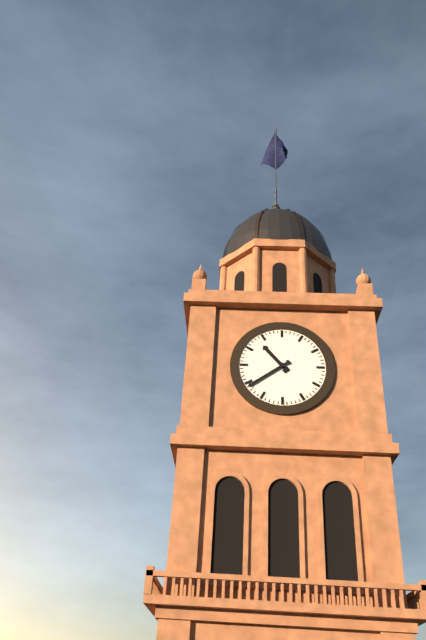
10:39
